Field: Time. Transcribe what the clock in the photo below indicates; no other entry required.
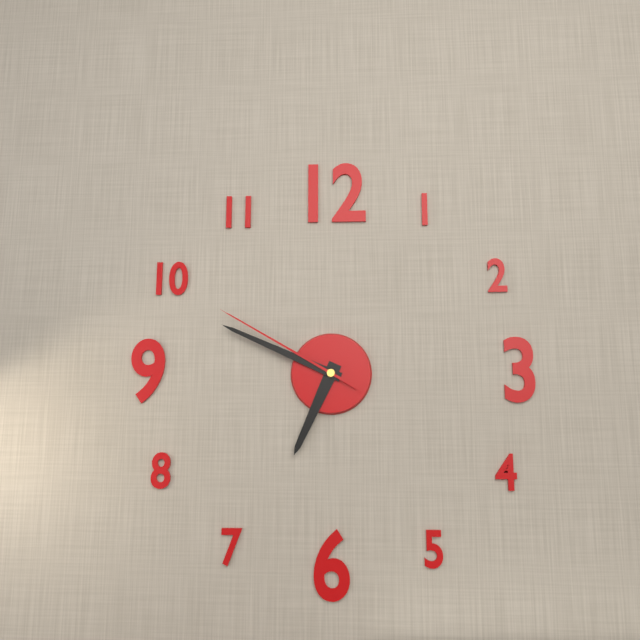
6:49:50
